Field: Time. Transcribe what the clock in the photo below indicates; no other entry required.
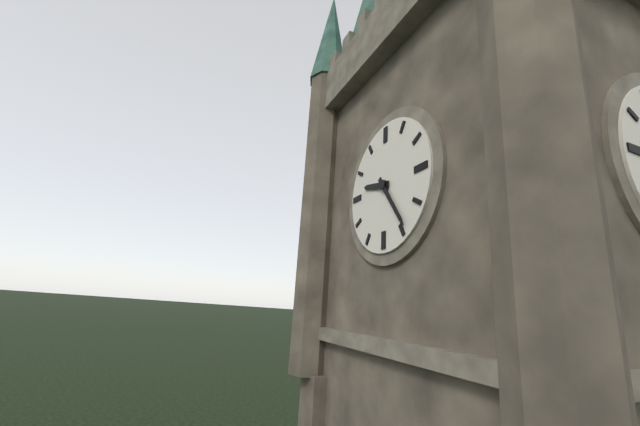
9:24
